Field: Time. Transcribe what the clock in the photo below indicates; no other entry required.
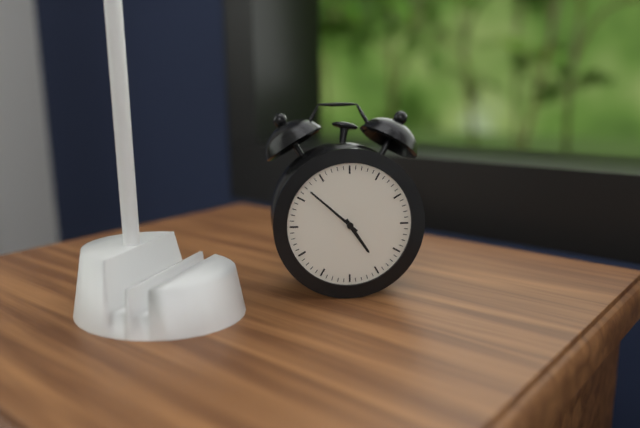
4:52
